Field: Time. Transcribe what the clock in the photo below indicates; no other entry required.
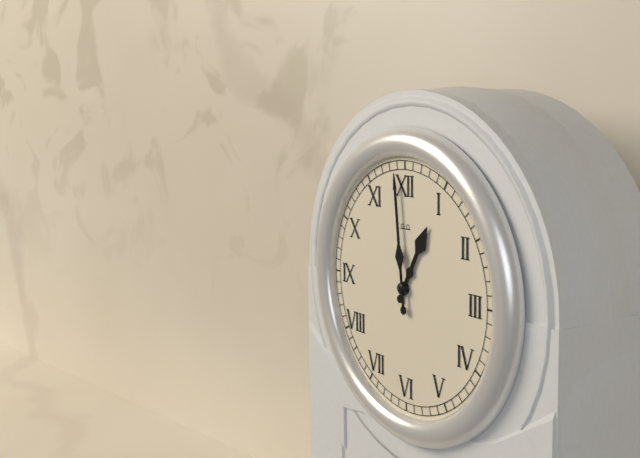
12:59
